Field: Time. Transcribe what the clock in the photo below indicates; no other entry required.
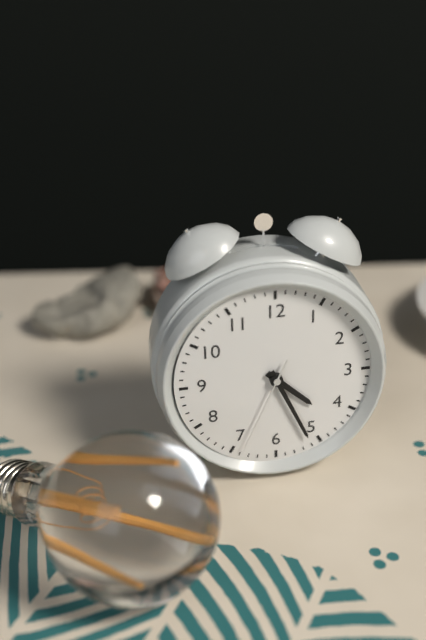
4:26:34
